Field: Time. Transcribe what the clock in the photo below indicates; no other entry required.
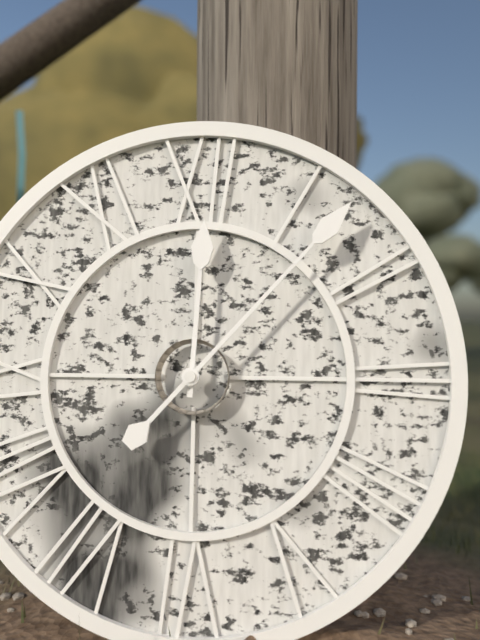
12:07
